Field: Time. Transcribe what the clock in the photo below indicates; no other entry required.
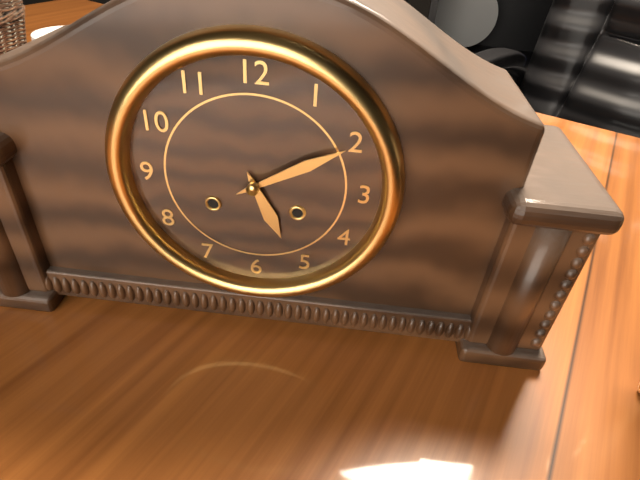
5:10
